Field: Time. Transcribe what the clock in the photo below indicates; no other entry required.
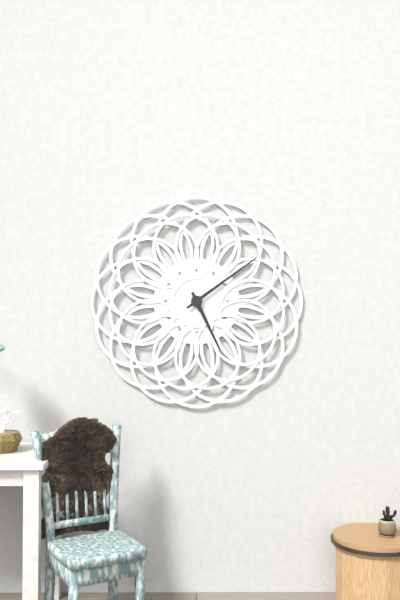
5:09
